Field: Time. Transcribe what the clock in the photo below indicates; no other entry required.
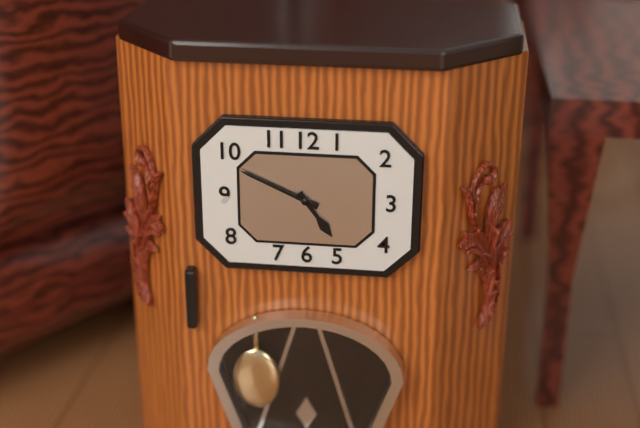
4:49
